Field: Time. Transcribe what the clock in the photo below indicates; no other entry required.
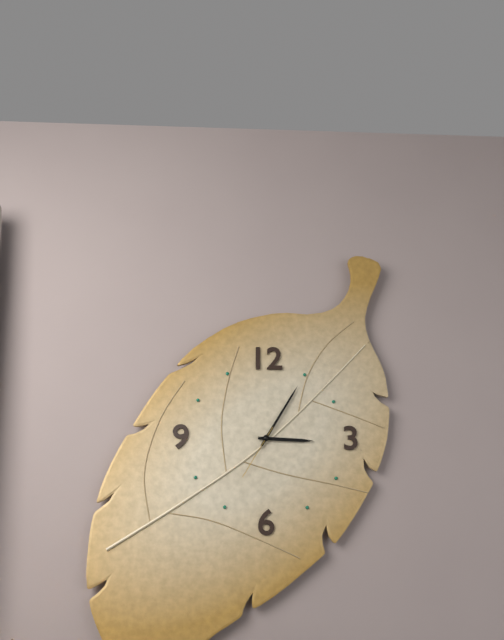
3:05:35
